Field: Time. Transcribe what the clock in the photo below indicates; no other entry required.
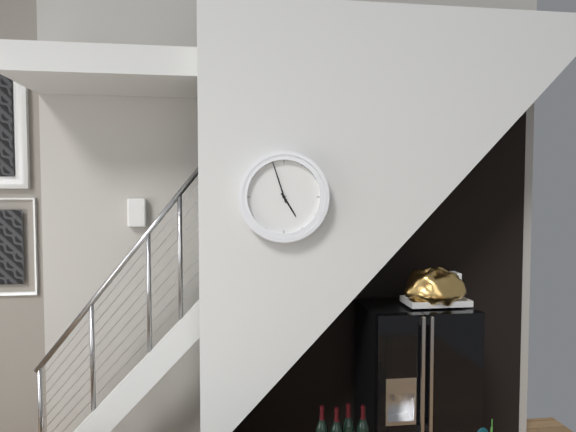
4:57
